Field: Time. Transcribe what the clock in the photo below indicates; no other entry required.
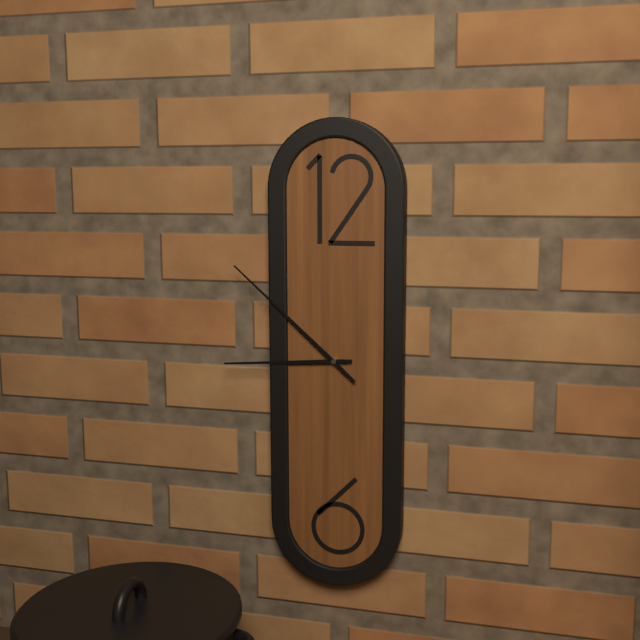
8:52
